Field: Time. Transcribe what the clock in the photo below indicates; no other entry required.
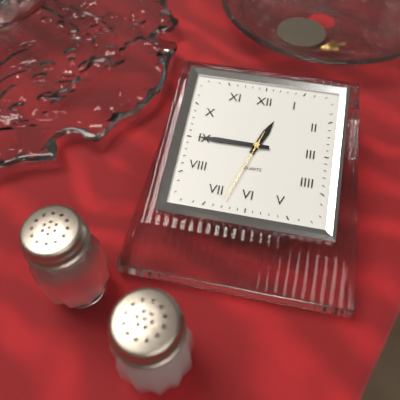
12:45:33
